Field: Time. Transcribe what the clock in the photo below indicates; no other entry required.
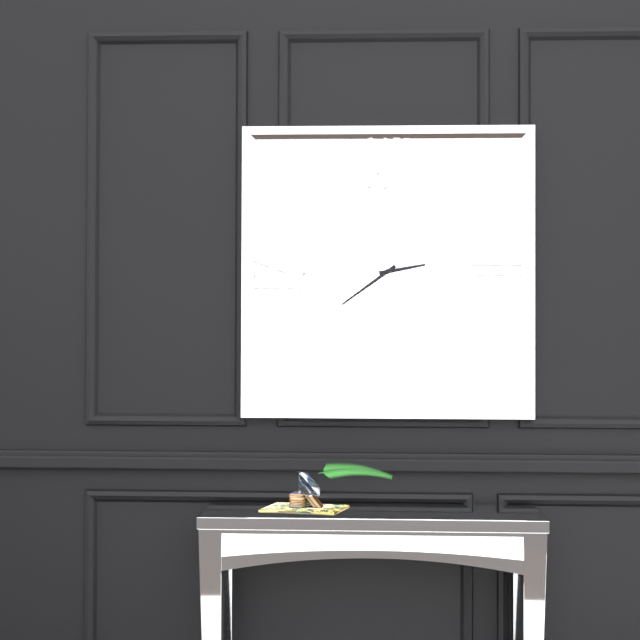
2:39
